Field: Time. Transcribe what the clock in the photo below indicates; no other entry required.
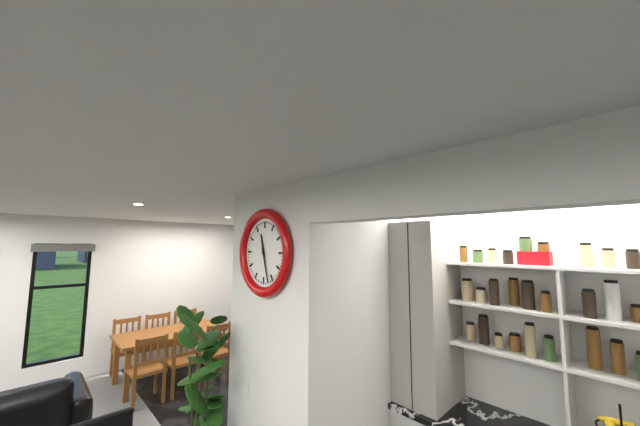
11:27
